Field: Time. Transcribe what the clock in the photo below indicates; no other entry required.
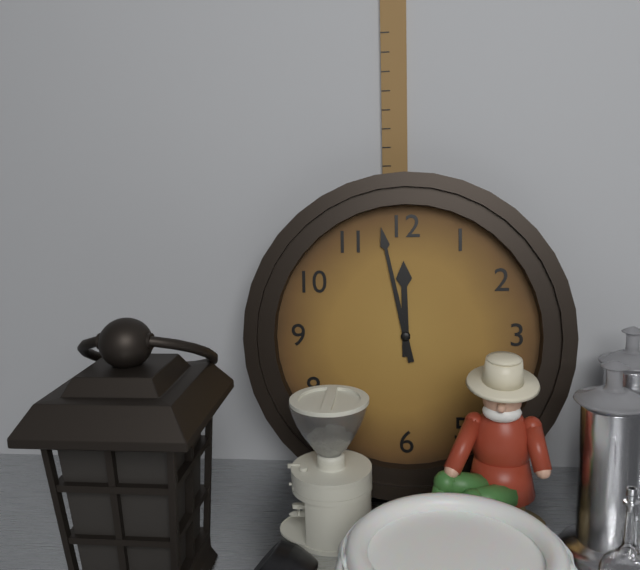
11:58
